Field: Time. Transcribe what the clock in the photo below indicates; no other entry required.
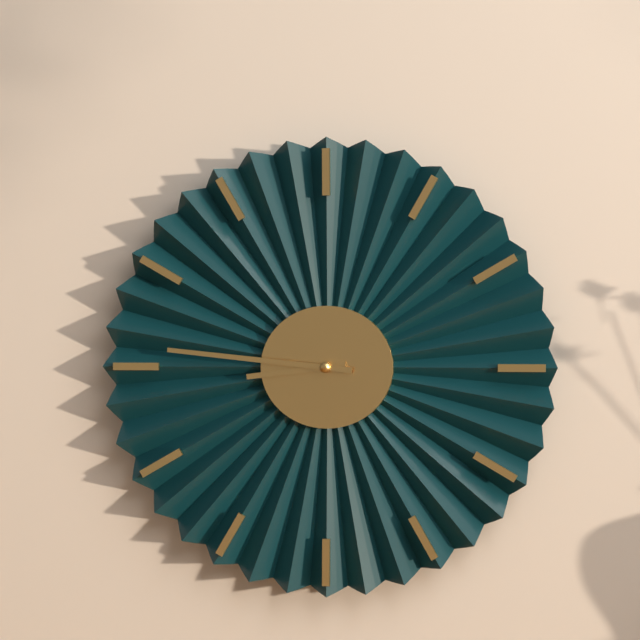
8:46
